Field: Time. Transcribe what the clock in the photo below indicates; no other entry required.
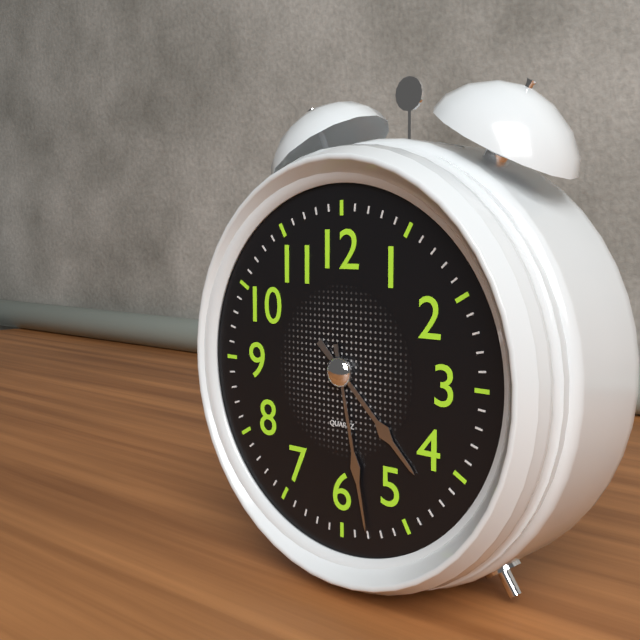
4:28
